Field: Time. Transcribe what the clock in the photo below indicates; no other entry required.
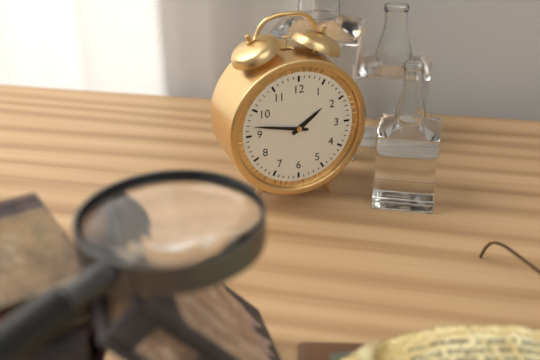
1:47
